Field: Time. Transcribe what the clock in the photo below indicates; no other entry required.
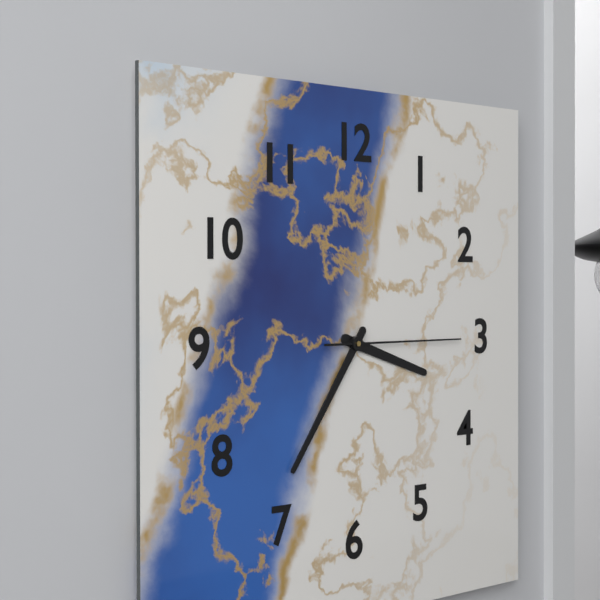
3:36:15
